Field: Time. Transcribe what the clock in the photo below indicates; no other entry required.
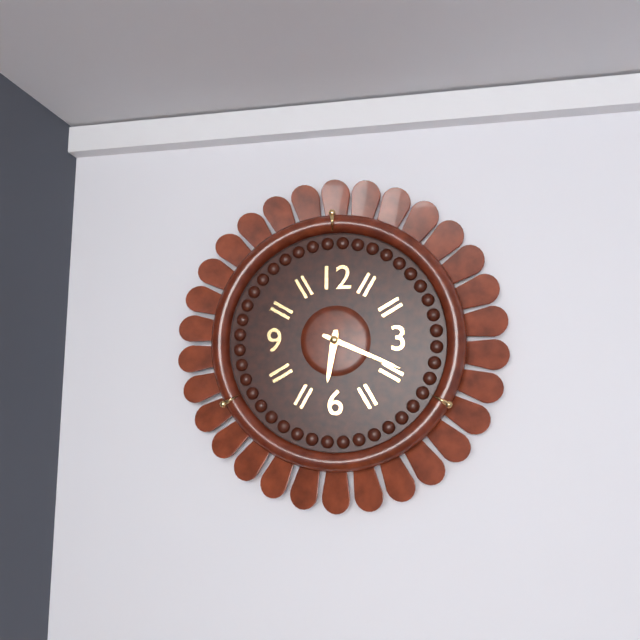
6:19
